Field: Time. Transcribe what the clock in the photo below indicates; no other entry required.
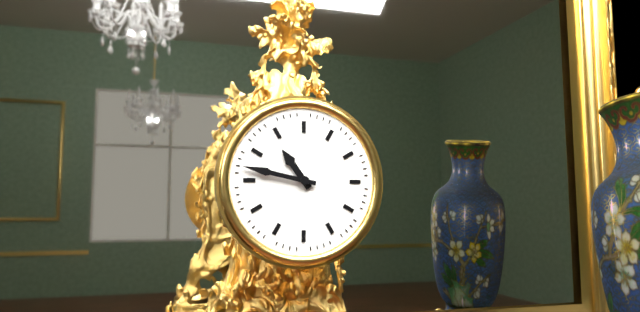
10:47
